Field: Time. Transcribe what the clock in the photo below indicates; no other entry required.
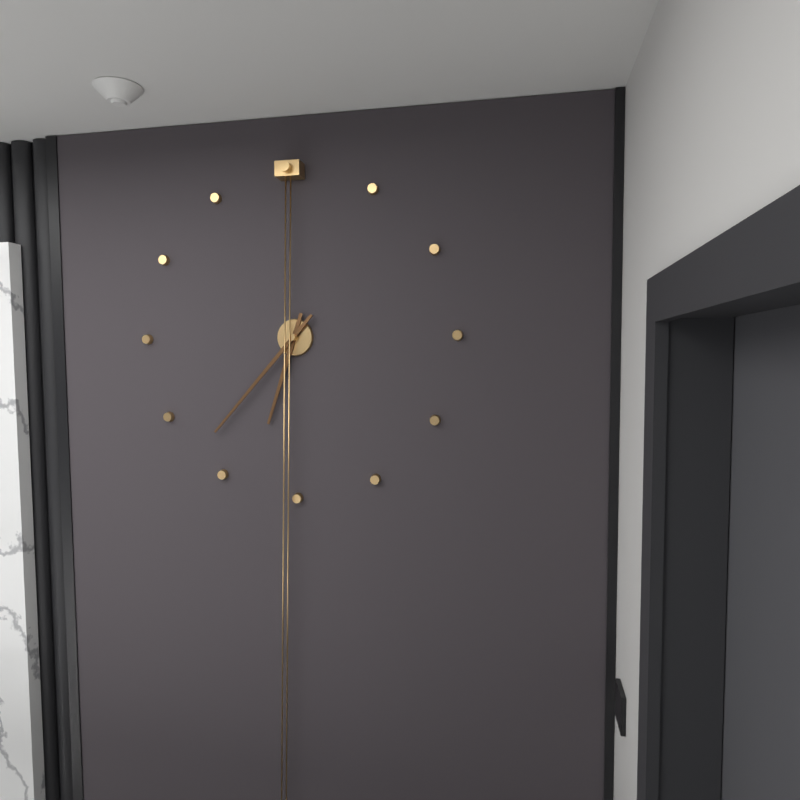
6:37
